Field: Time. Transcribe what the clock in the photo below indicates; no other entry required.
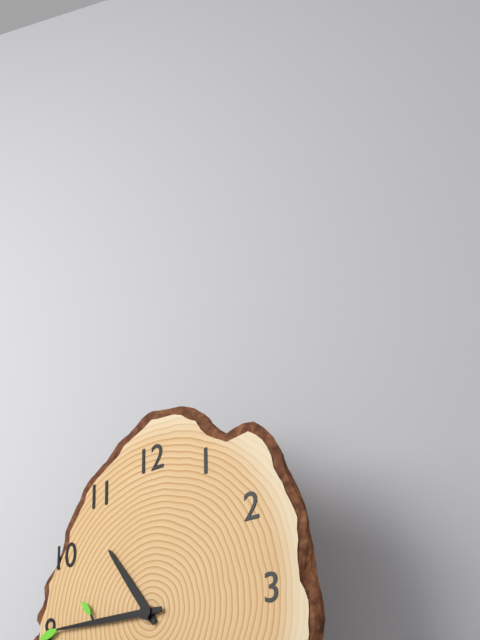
10:45
